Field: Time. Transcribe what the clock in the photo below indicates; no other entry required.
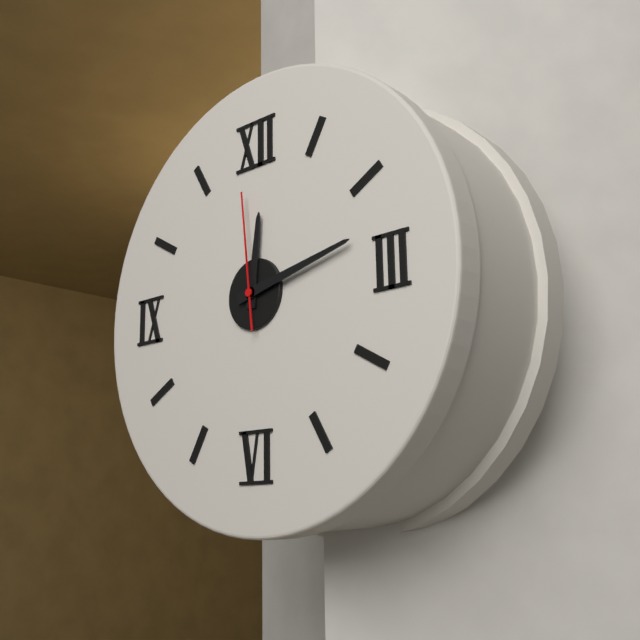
12:13:59
